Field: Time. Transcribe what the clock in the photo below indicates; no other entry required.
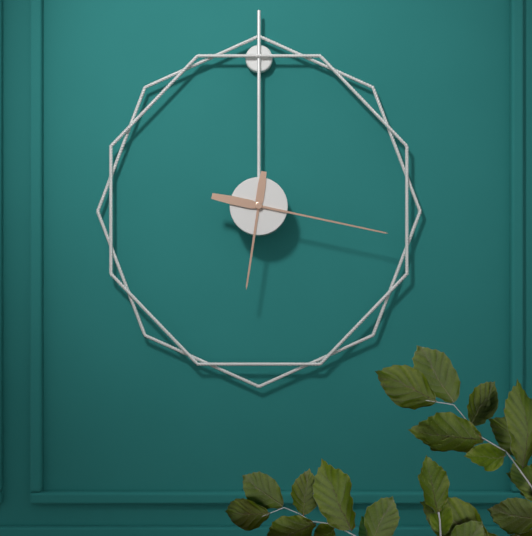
6:17
